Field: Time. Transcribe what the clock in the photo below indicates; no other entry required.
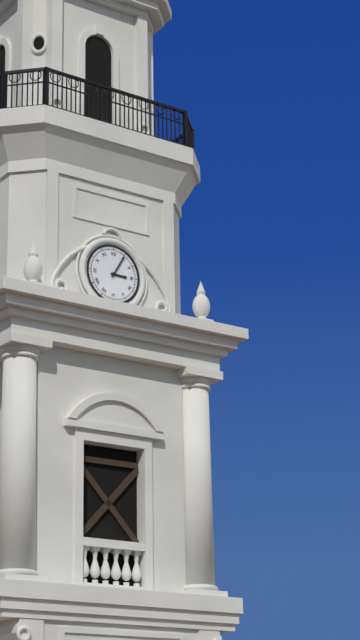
3:05
